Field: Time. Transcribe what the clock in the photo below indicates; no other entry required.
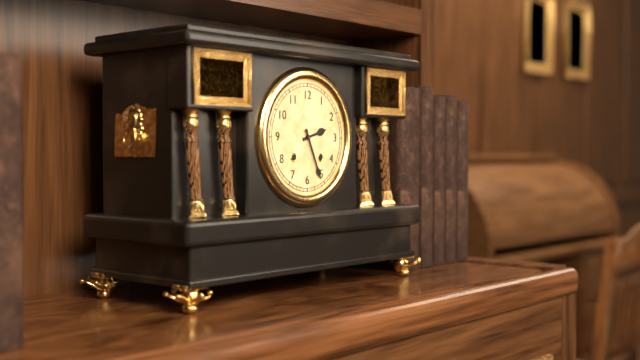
2:26
